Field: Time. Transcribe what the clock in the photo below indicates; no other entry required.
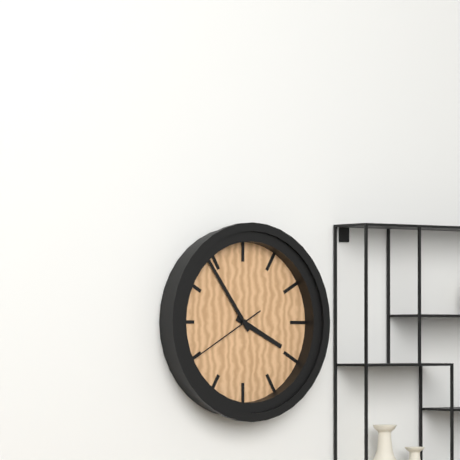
3:54:40
